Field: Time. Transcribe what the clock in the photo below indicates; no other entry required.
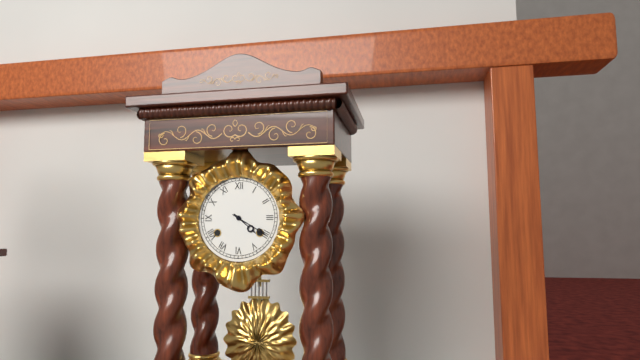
4:20
